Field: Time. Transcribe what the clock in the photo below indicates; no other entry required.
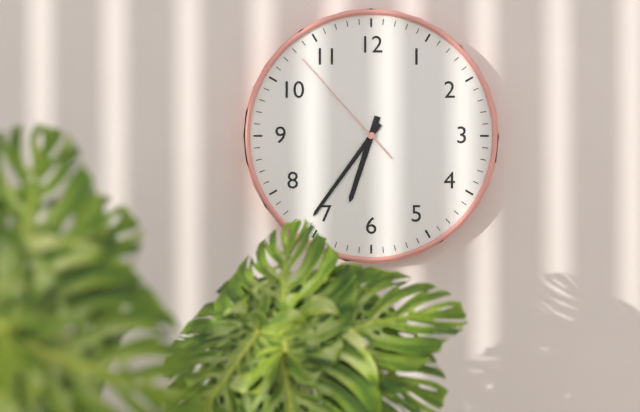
6:36:53
